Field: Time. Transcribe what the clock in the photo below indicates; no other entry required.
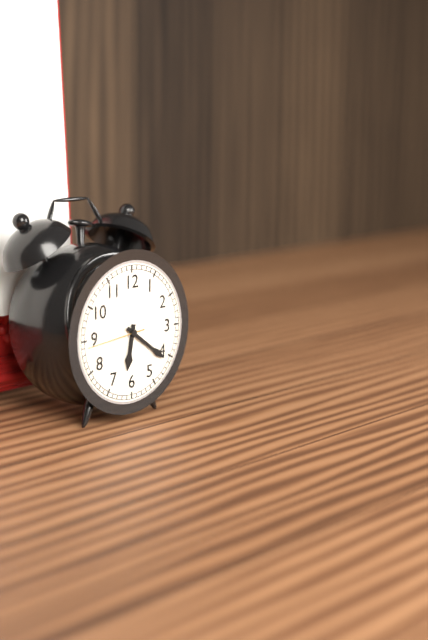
6:21:44
